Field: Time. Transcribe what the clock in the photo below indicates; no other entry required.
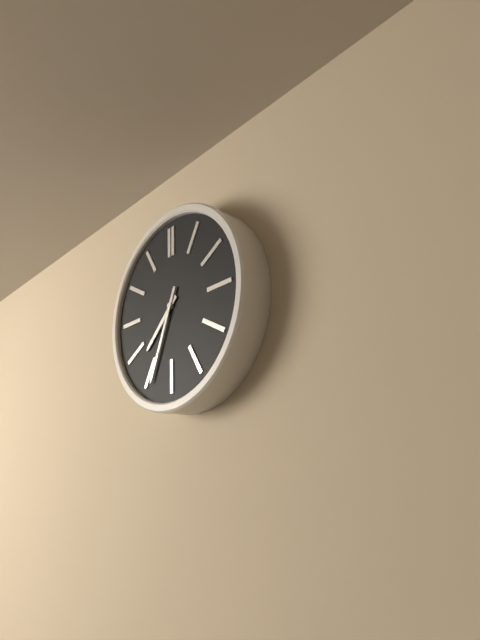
7:34
